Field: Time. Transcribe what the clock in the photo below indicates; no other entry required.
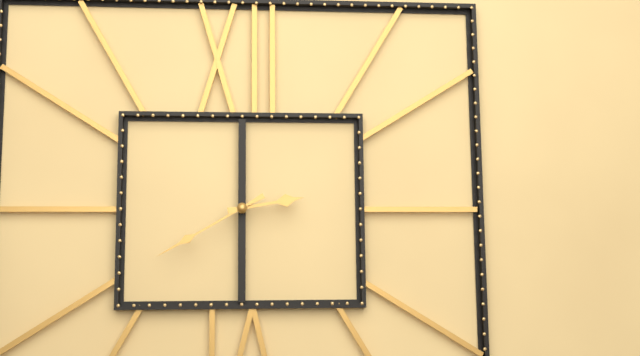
2:40
